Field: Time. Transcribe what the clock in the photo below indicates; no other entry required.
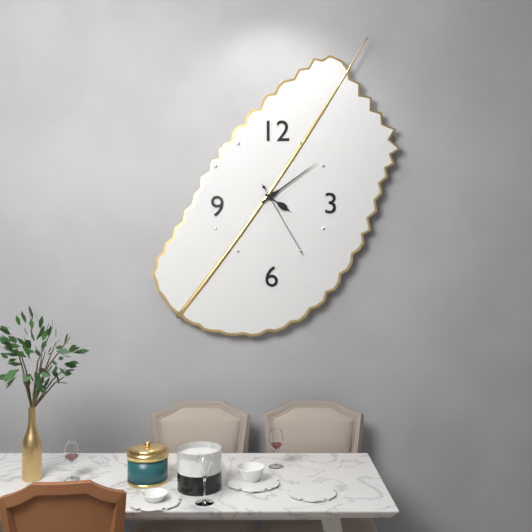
4:09:25
